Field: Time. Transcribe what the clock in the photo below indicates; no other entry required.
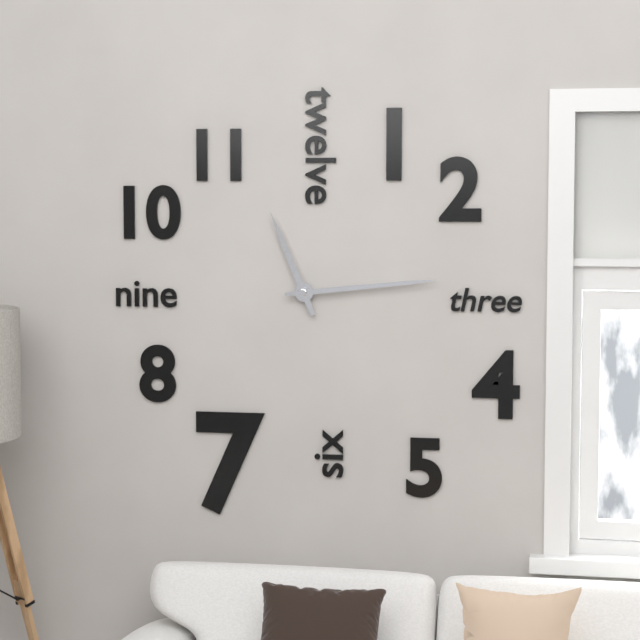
11:14
